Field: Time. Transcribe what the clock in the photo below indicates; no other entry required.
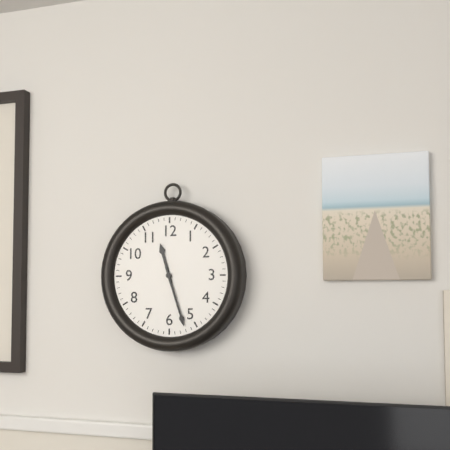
11:27
